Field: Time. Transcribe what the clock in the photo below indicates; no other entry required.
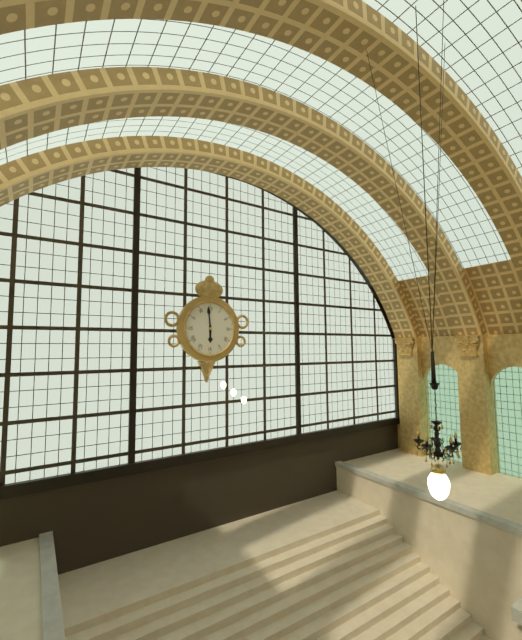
5:59
